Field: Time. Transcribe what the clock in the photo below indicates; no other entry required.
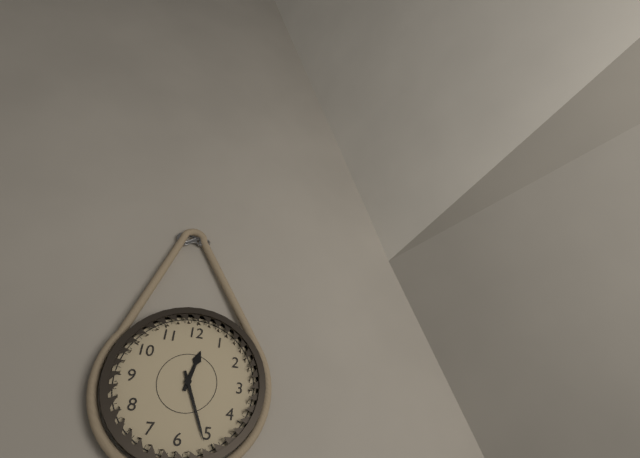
12:26
